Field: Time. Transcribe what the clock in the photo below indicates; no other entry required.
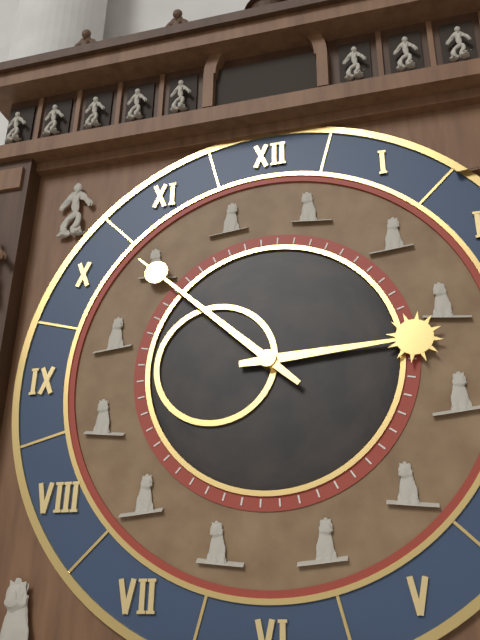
2:52
